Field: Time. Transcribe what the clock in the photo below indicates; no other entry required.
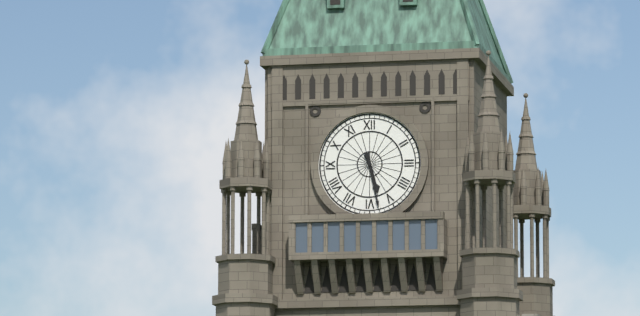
5:28
